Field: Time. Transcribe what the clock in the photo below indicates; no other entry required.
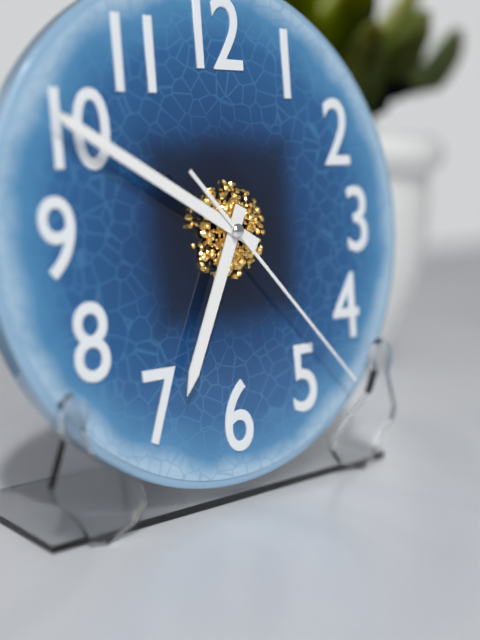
6:50:23
